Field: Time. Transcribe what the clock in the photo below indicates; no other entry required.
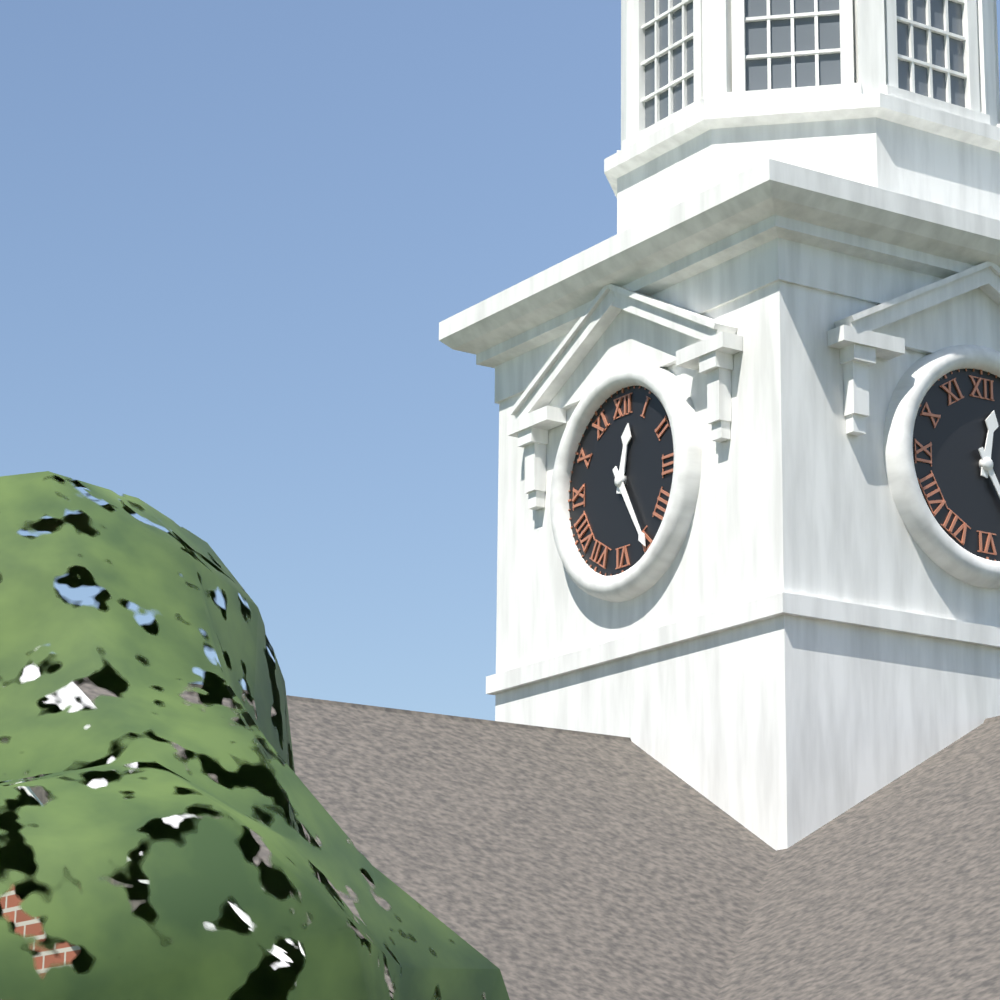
12:25
